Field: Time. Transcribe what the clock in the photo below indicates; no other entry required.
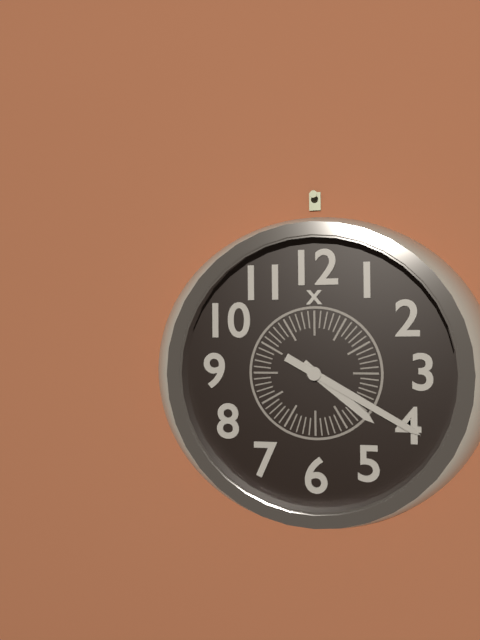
4:20
